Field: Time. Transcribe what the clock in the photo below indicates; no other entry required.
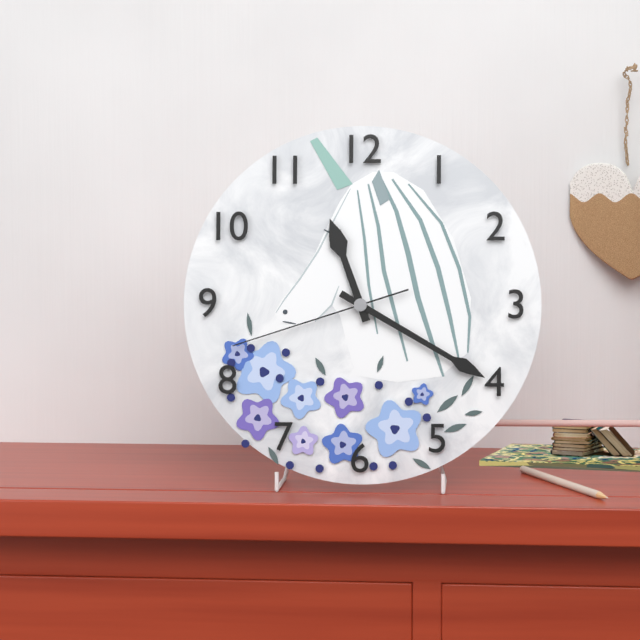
11:20:42
